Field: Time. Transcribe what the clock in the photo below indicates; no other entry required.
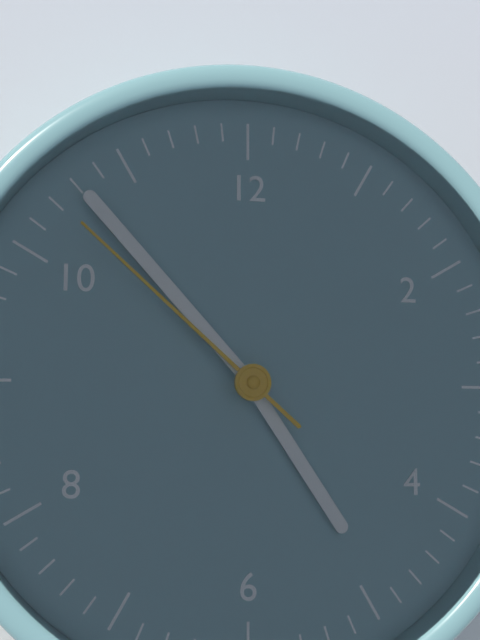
4:53:52
